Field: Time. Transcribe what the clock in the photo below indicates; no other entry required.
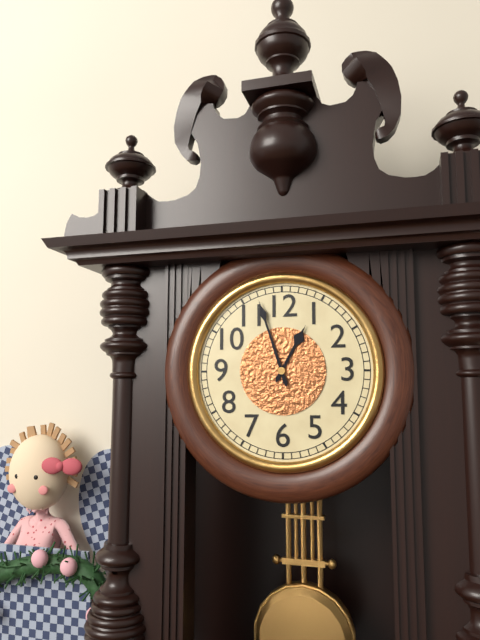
12:57
